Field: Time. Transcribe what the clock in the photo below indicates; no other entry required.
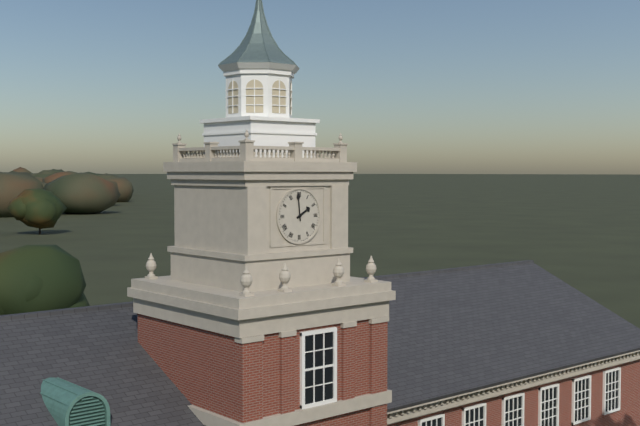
1:59
